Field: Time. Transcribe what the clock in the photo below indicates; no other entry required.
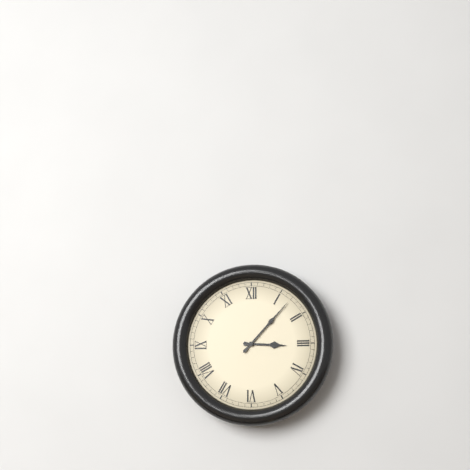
3:07
